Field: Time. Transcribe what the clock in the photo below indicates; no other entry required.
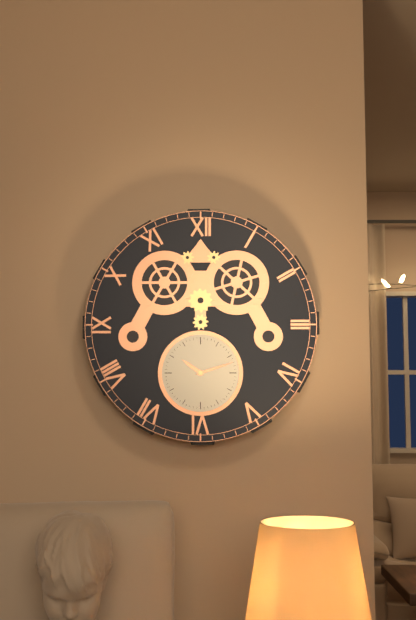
10:12
